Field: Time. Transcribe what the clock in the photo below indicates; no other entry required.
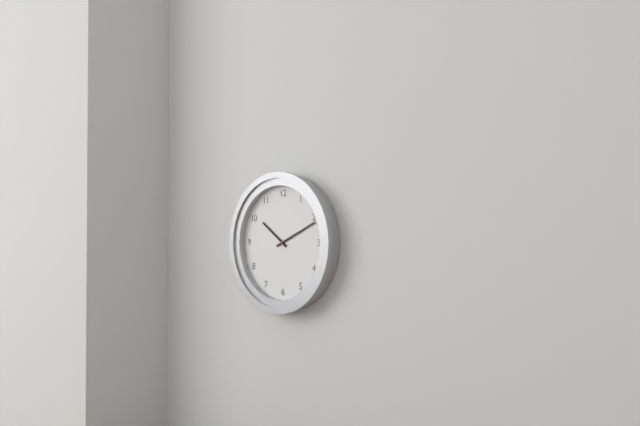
10:11
